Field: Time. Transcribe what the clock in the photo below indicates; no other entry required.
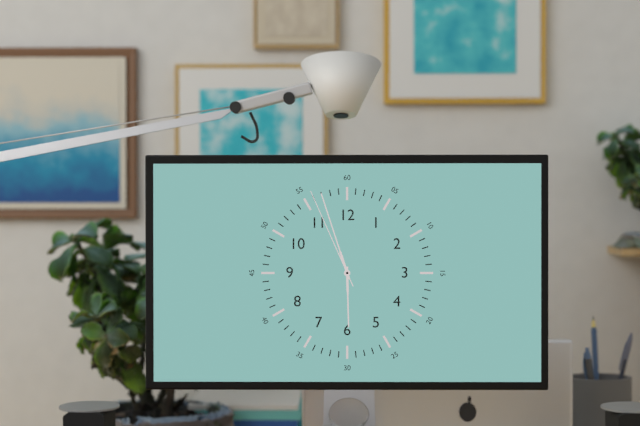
5:57:56
